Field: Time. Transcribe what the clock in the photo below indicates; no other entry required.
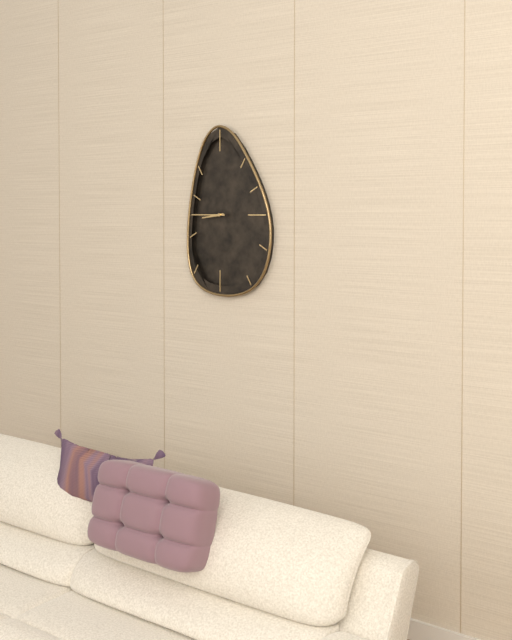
8:45
